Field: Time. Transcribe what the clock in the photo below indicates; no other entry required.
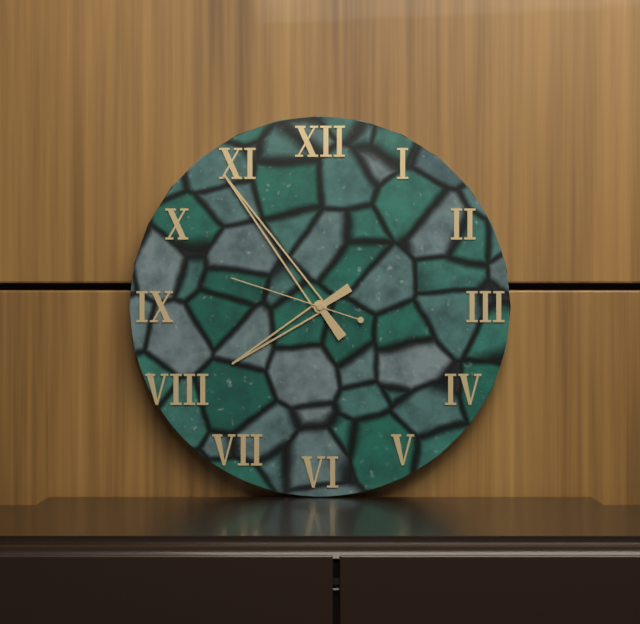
7:54:48
